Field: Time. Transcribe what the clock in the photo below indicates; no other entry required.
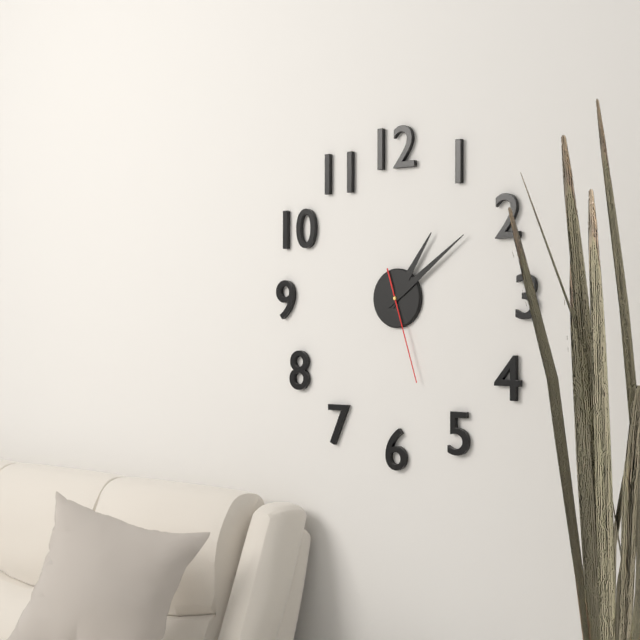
1:09:27
